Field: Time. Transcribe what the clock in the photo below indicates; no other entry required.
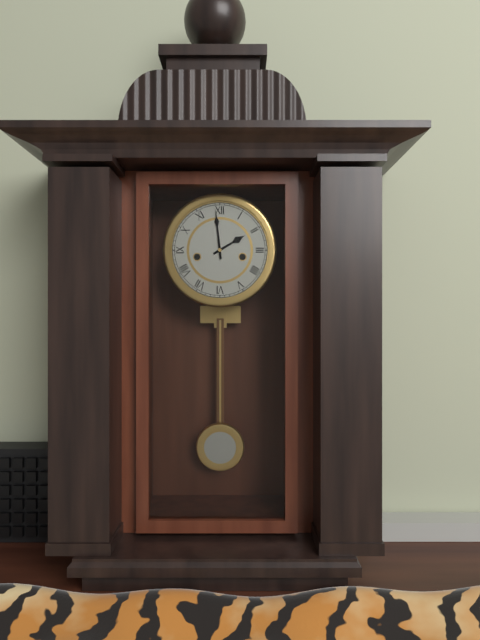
1:59
